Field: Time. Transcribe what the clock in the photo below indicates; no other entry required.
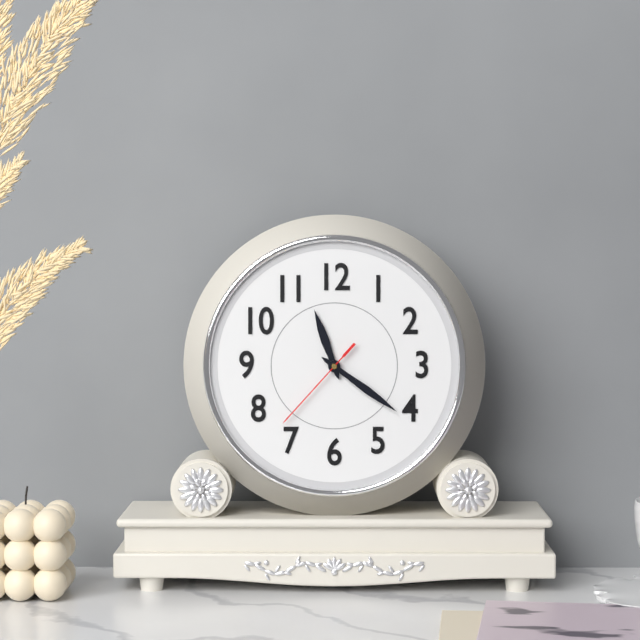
11:21:37
